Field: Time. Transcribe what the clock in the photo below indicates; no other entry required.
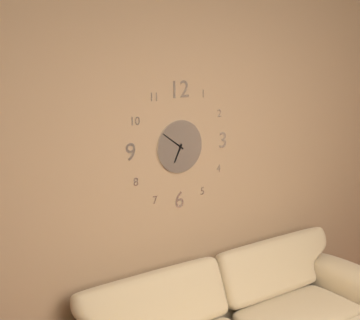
6:51
